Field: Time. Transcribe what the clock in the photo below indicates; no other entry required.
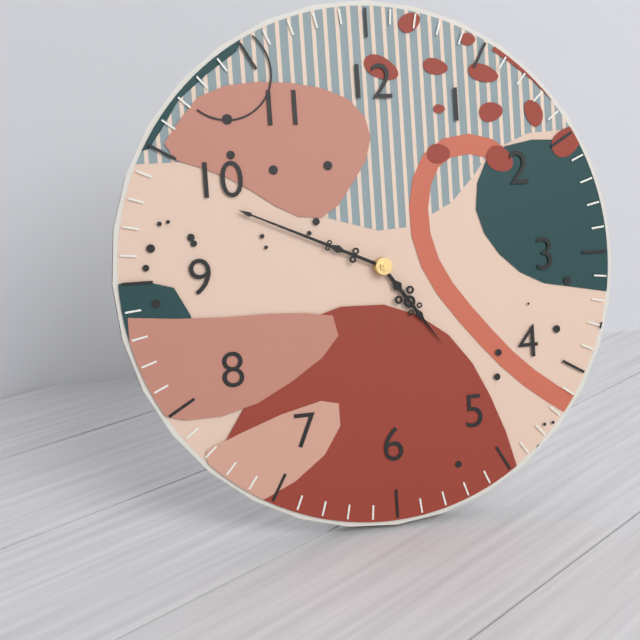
4:49
